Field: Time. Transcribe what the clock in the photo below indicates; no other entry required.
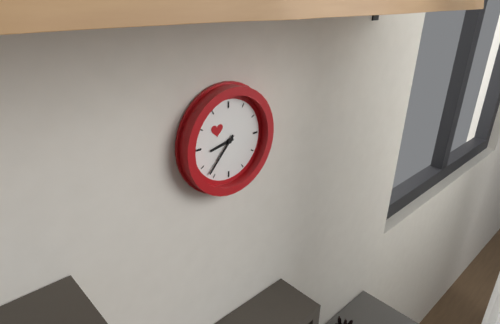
8:37
